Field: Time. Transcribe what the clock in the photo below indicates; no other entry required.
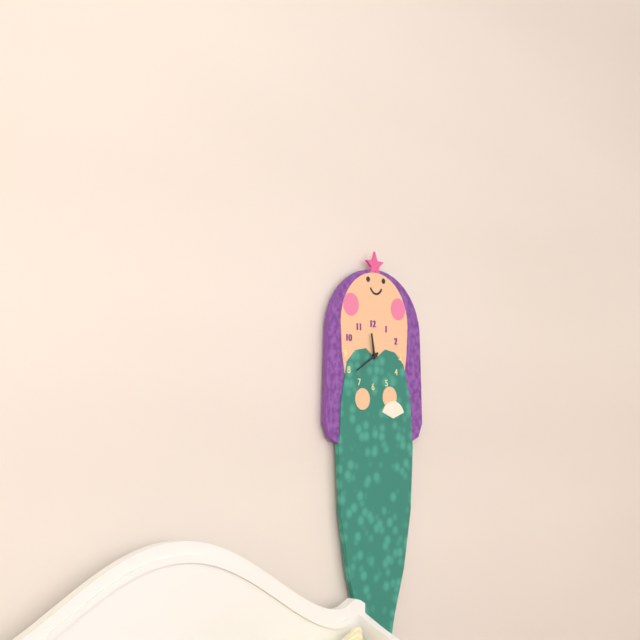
11:40
